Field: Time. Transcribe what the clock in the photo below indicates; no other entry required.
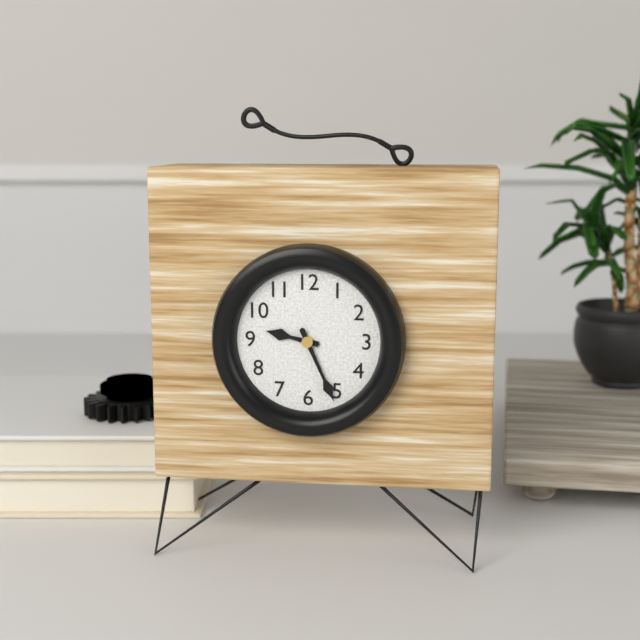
9:26
